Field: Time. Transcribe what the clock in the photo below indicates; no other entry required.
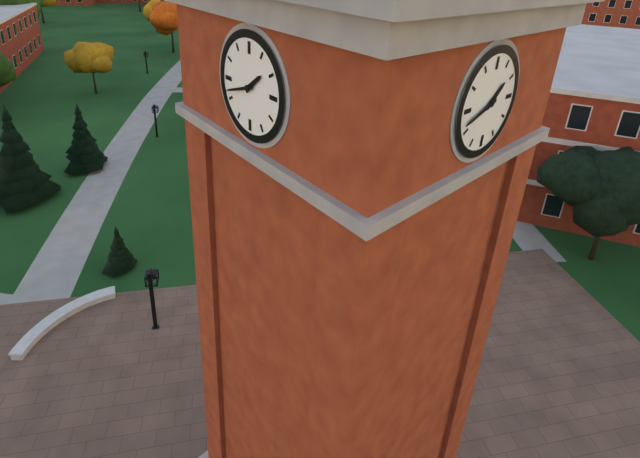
1:42
